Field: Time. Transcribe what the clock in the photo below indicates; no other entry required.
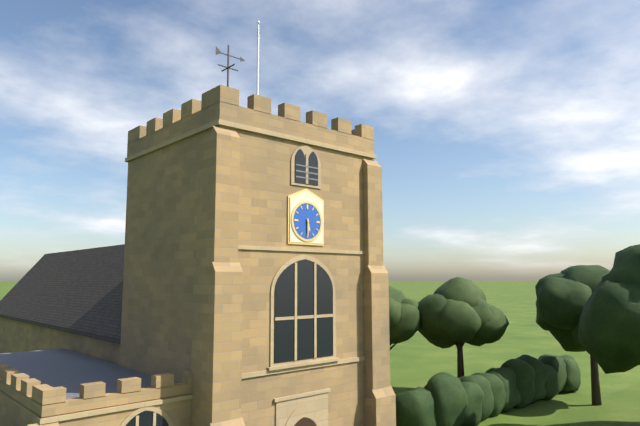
5:30
